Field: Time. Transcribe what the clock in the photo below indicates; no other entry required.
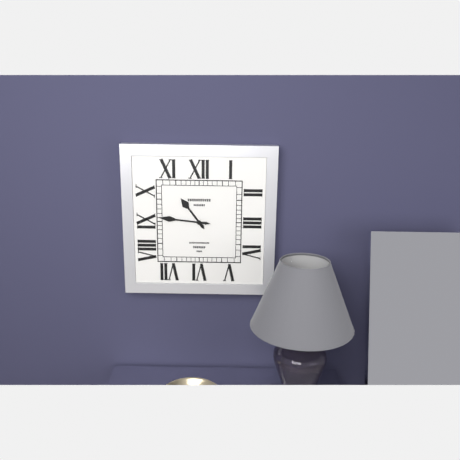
10:46
